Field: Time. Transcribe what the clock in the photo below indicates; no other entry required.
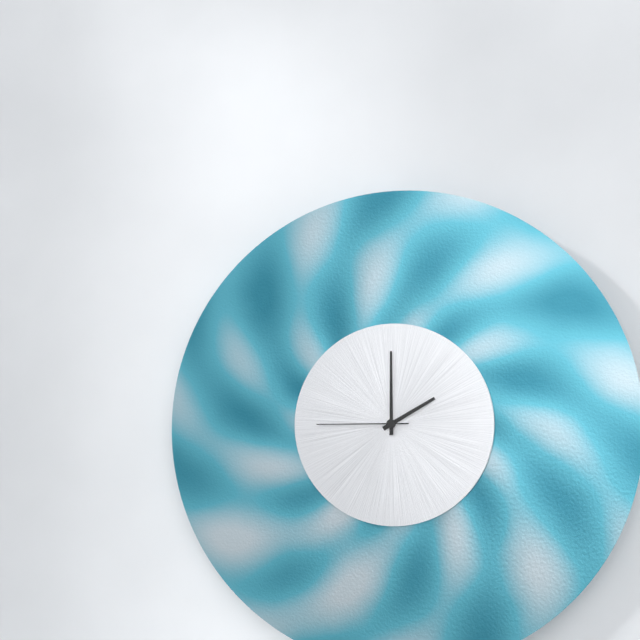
2:00:45
